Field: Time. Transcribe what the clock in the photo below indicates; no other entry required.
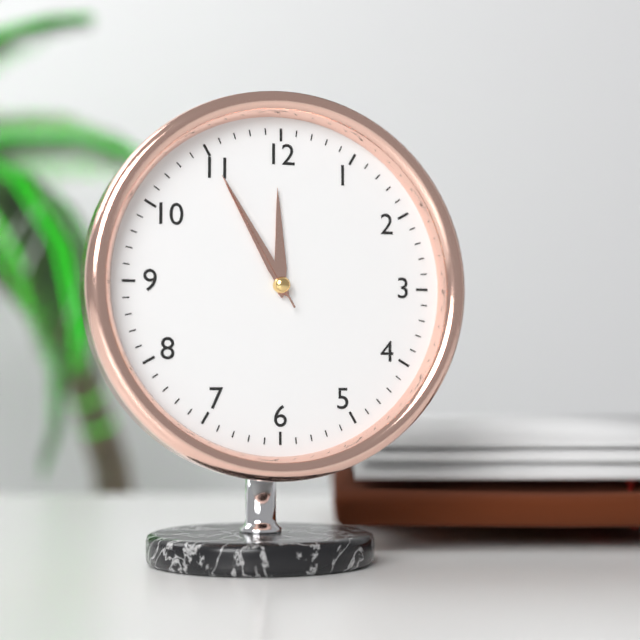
11:55:55
